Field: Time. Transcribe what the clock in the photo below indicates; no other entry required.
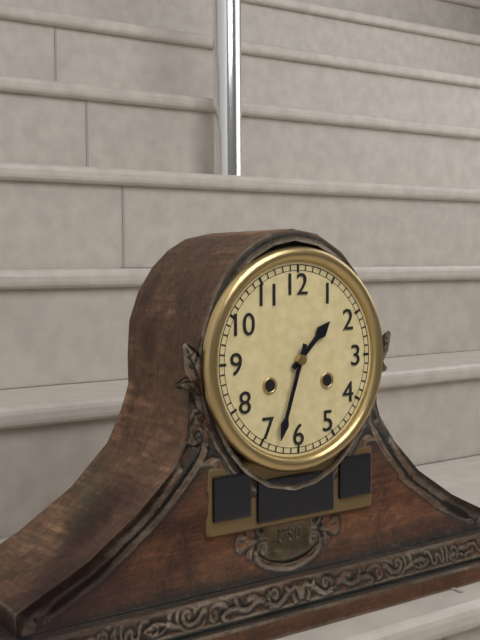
1:33
